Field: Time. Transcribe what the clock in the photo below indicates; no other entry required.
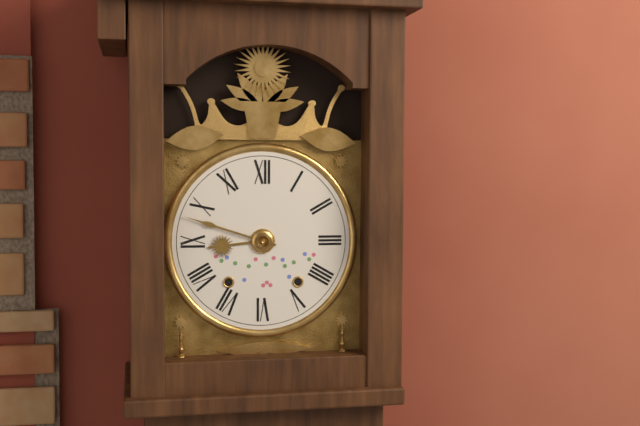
8:48
